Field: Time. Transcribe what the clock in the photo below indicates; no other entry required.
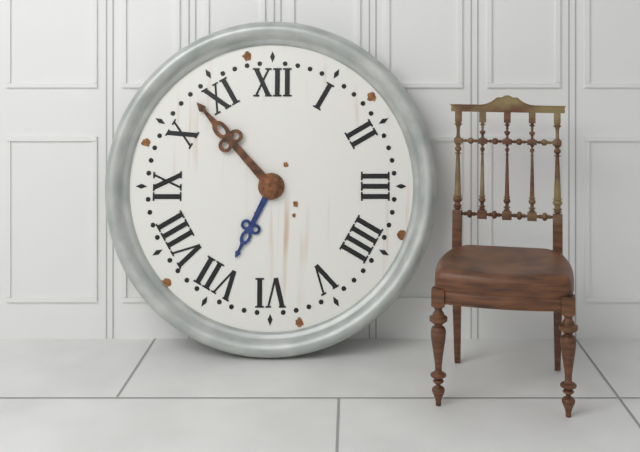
6:53
